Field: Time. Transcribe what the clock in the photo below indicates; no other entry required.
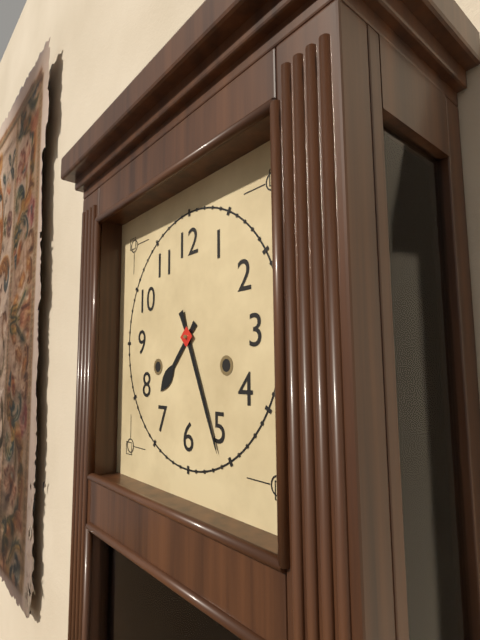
7:26
